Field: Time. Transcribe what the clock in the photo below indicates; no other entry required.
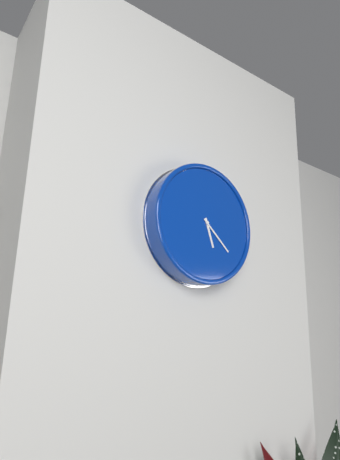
5:22
